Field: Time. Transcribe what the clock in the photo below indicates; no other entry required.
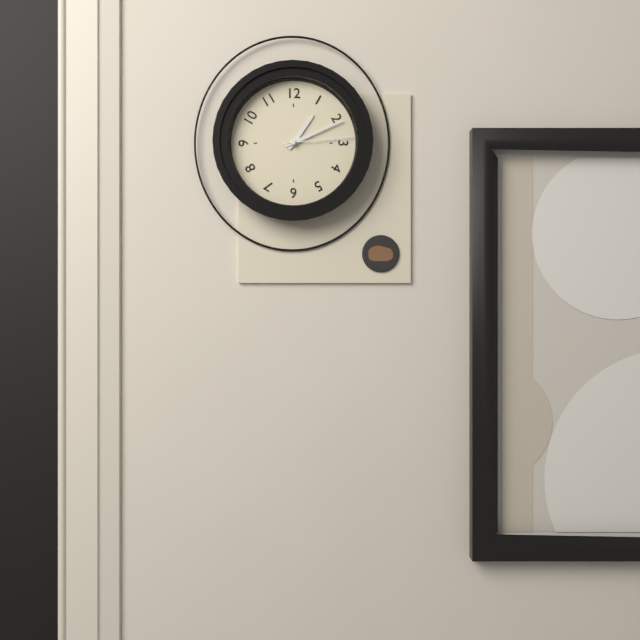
1:11:14
